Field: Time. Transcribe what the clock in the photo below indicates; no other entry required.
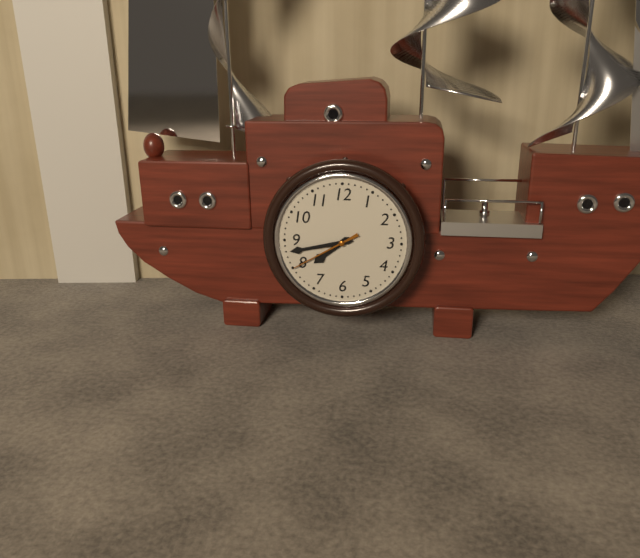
7:43:40
